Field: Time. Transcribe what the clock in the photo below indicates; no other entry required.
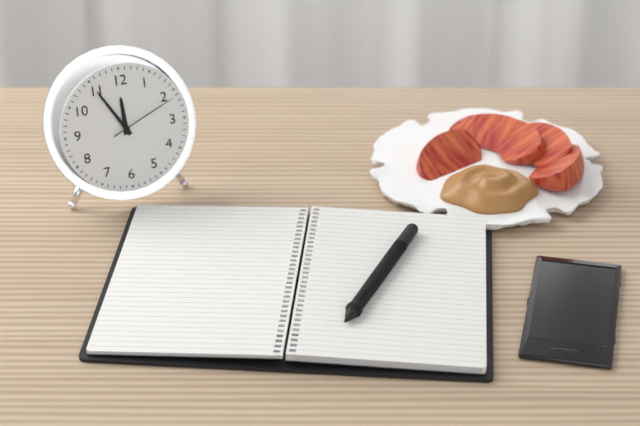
11:55:11
